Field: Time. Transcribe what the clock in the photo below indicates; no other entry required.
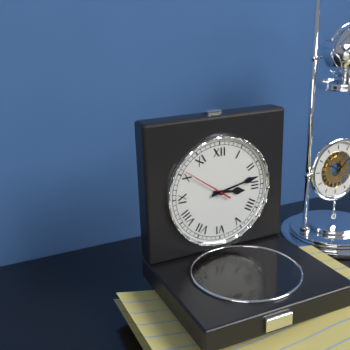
3:13:51
